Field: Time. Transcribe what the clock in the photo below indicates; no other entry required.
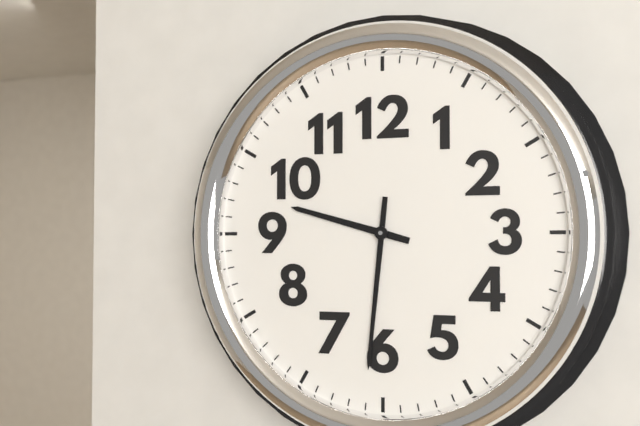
9:31
